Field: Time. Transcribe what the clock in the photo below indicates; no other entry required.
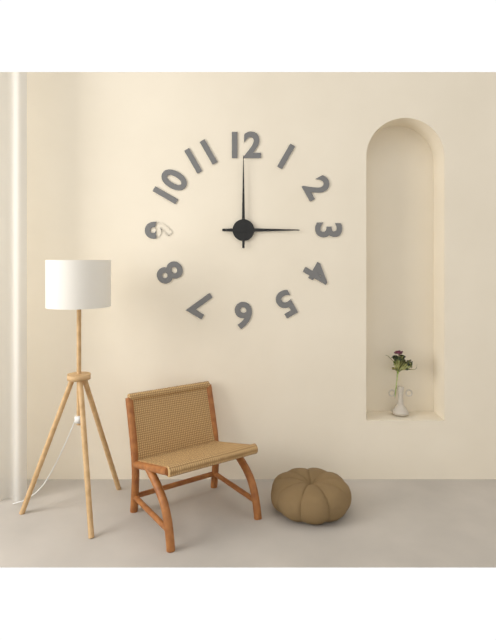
3:00
